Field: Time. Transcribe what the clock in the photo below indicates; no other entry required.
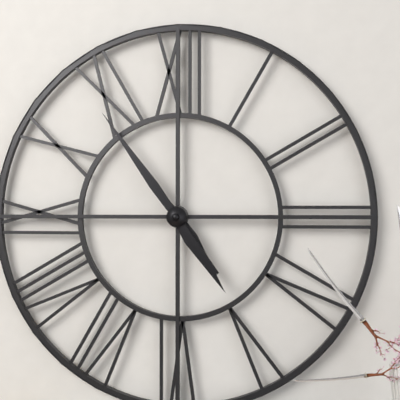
4:54
